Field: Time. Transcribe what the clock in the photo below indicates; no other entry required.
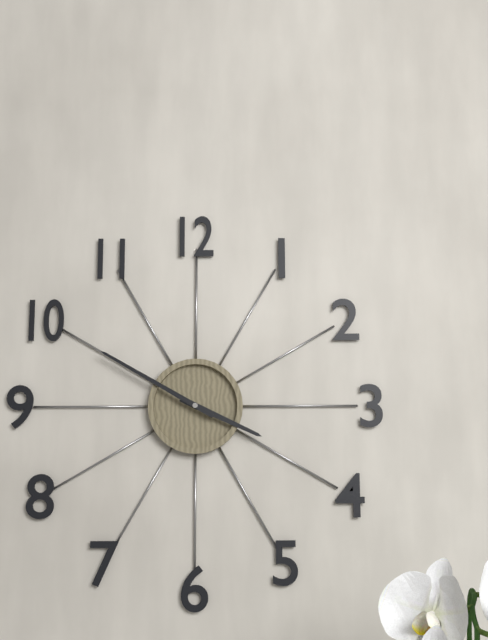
3:50
